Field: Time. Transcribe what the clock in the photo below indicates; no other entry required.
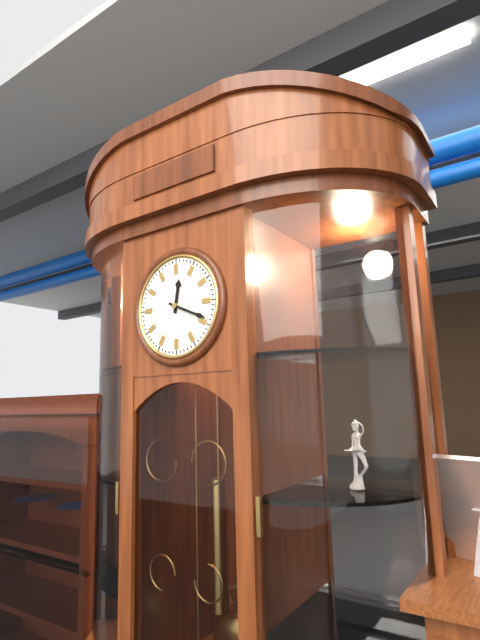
12:19
